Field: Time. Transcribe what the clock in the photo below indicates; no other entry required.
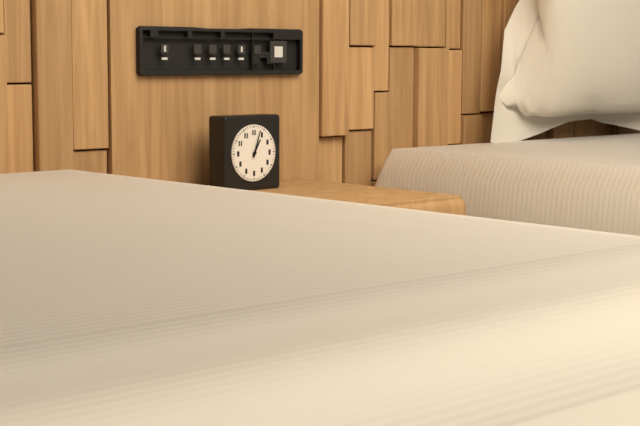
1:03
